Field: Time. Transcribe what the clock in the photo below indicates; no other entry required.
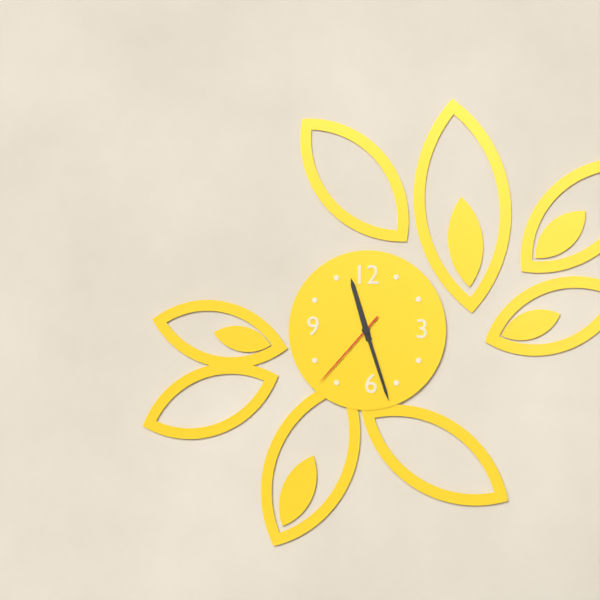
11:27:37
